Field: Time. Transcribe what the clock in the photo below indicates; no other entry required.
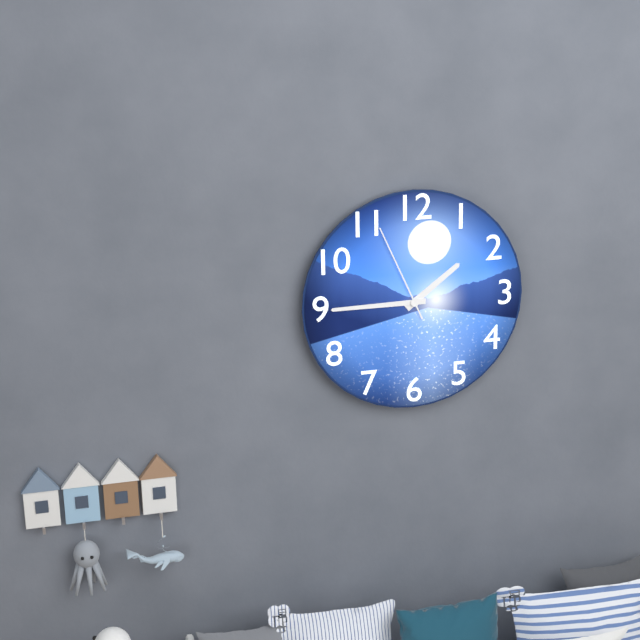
1:45:56
